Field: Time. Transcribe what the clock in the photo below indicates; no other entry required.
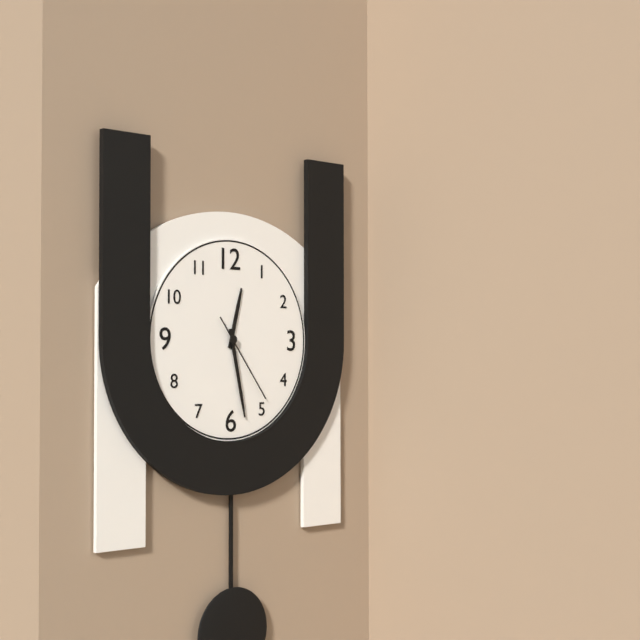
12:28:24
